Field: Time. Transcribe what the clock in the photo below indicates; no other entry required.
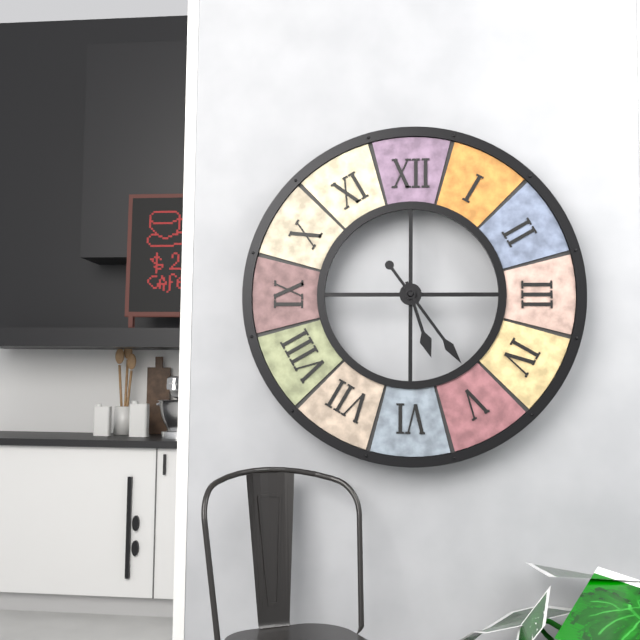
5:24
